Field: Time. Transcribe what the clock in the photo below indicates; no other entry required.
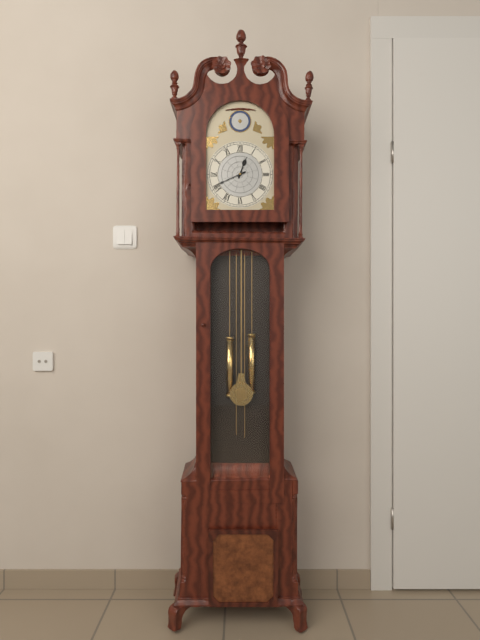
12:41
